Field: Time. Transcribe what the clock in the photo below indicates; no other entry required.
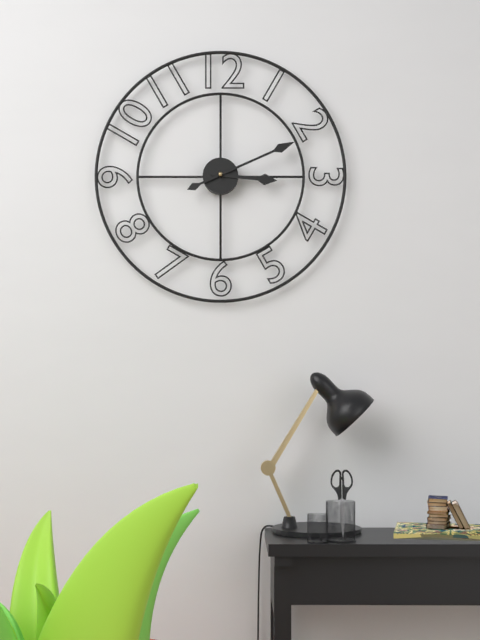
3:11
